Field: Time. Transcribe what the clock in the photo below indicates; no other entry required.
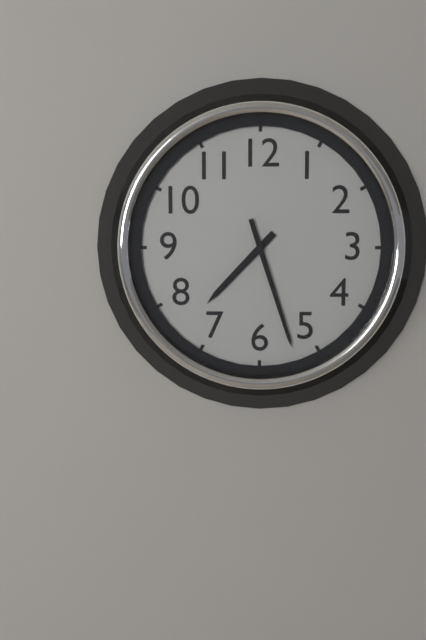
7:27
